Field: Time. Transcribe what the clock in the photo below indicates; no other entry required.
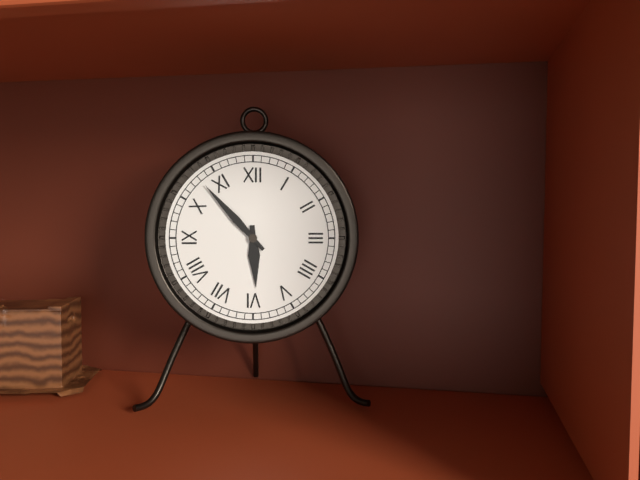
5:53
